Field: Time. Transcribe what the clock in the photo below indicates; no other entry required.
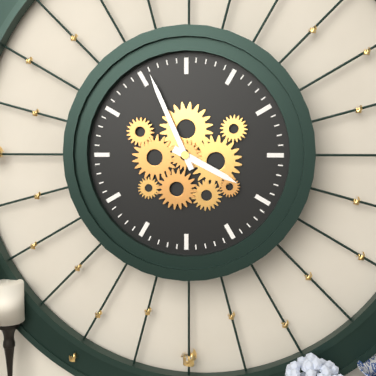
3:56
